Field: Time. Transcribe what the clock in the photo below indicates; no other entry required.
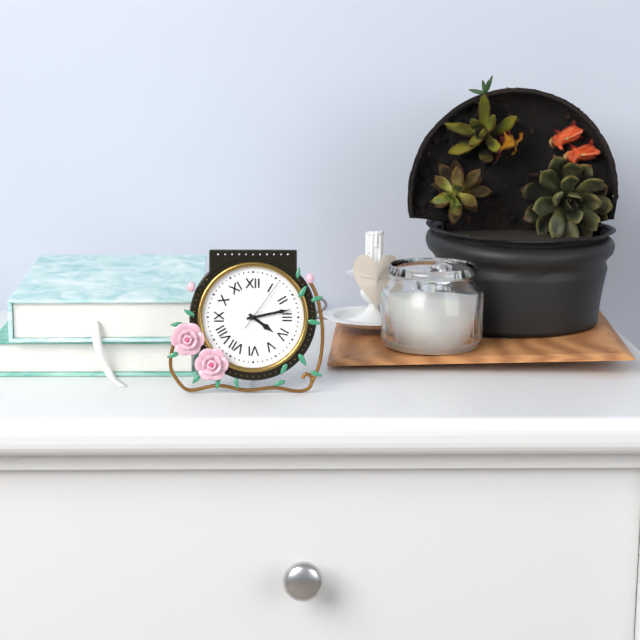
4:13:06
